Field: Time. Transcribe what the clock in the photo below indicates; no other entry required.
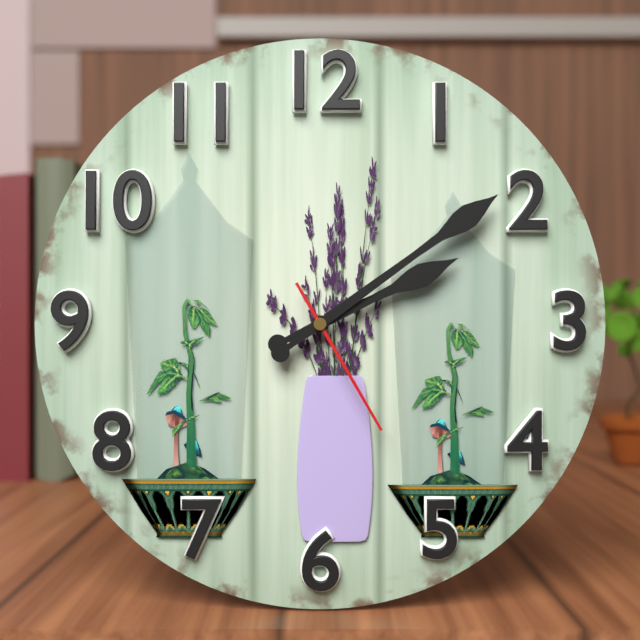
2:09:25
